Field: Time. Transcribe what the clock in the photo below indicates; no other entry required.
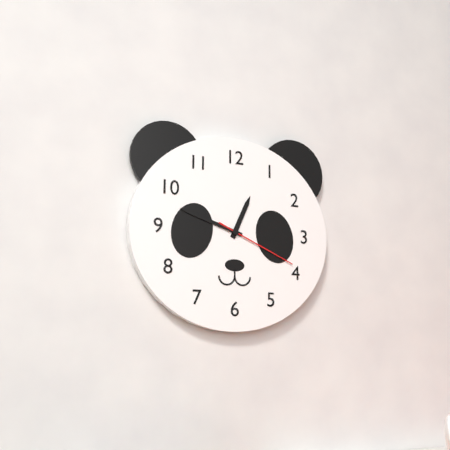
12:48:19
